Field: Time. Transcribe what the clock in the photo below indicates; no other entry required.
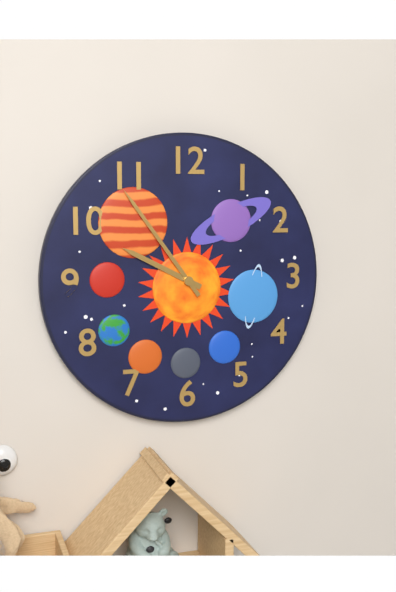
9:54
